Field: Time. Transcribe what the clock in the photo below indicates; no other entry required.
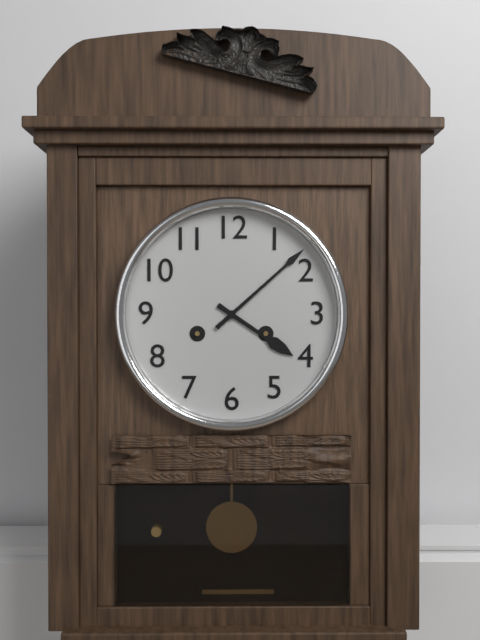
4:08
